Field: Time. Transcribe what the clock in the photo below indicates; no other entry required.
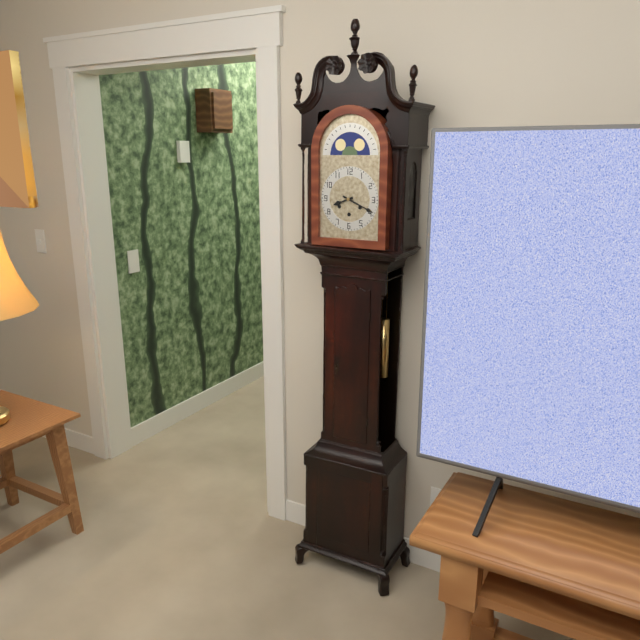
8:19
